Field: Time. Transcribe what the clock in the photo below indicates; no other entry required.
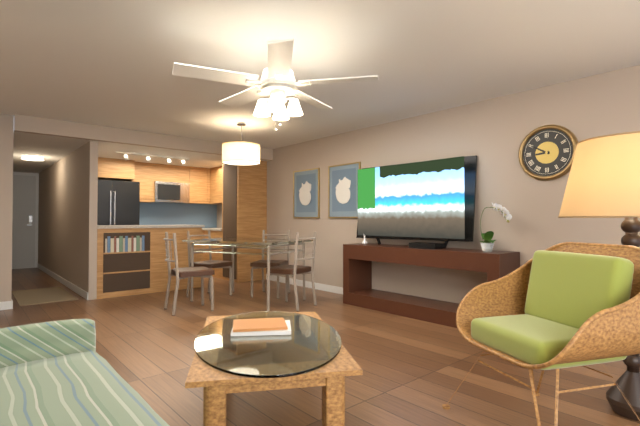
8:50
